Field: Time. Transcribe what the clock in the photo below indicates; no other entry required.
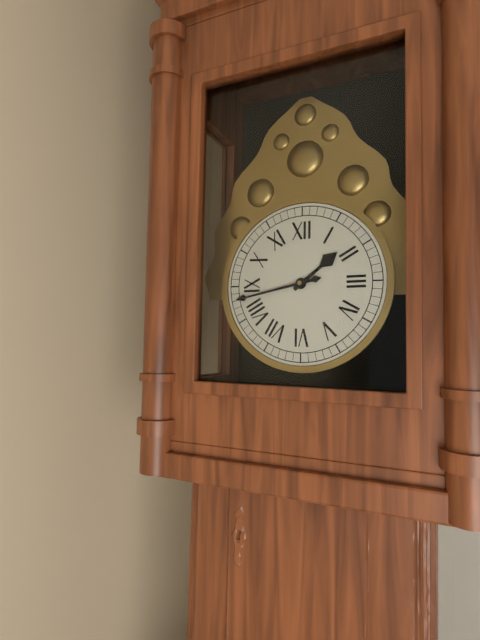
1:43
